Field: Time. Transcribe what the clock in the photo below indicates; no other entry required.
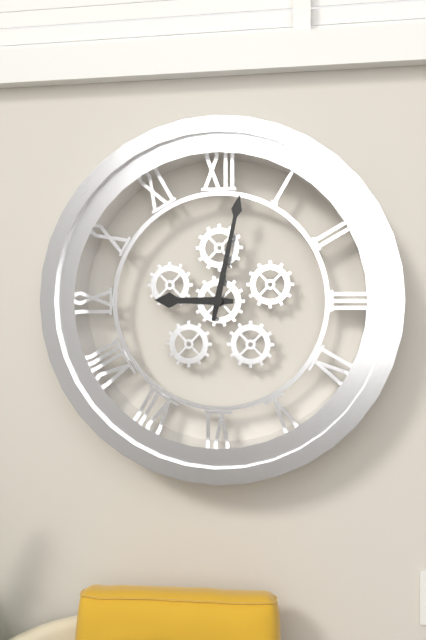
9:02
